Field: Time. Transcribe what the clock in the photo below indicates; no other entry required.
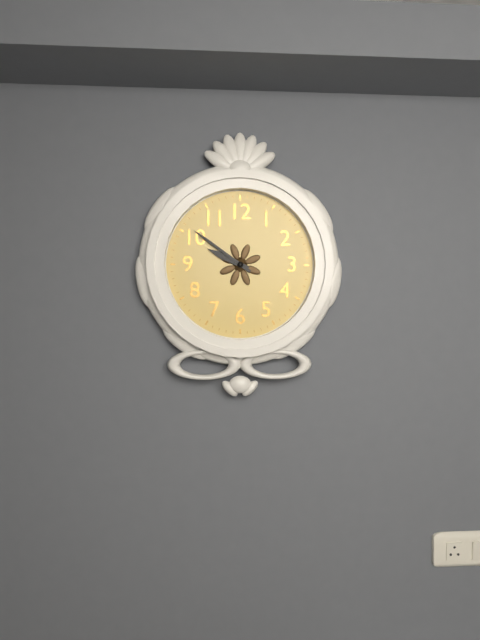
9:51
